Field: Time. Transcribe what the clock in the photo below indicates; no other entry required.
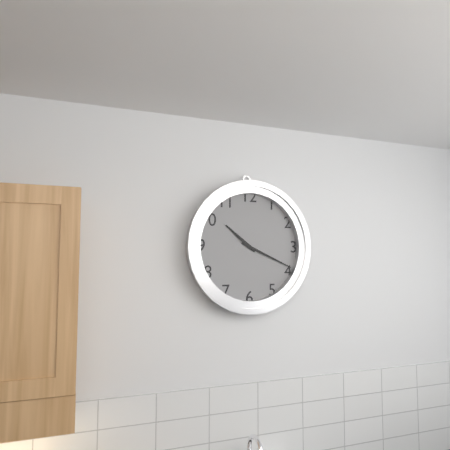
10:19
